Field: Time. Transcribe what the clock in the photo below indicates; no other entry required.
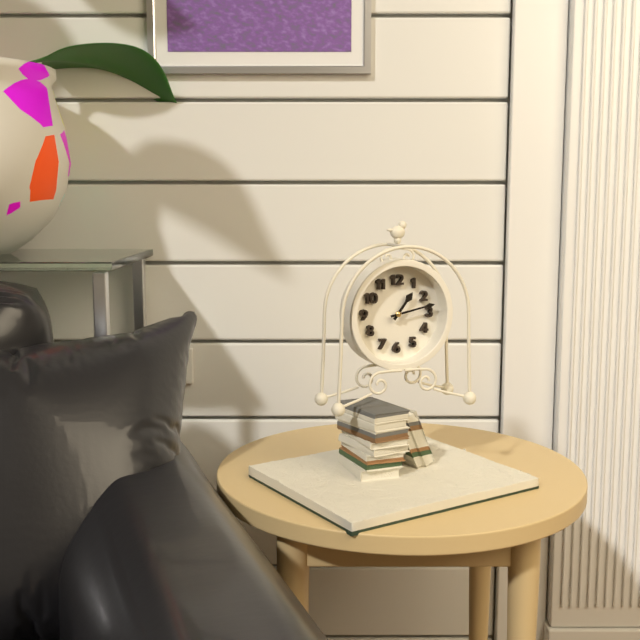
1:13
